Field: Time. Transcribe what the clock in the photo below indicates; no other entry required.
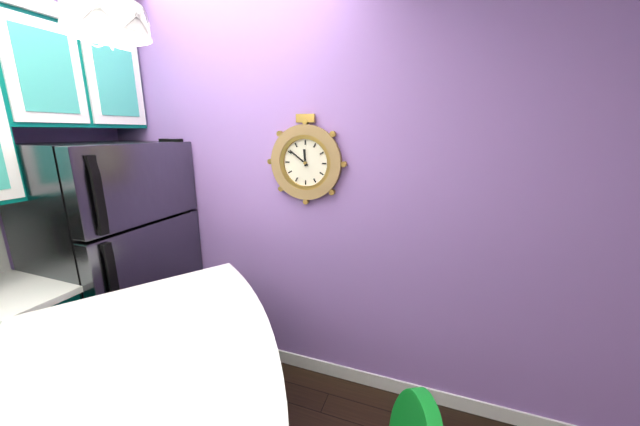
11:51
